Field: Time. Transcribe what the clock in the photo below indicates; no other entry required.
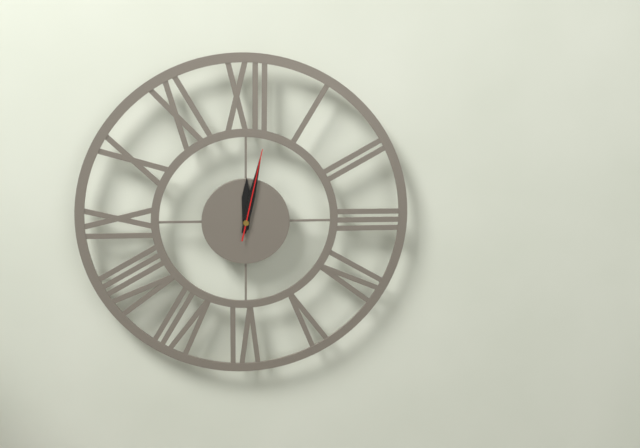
12:02:02
